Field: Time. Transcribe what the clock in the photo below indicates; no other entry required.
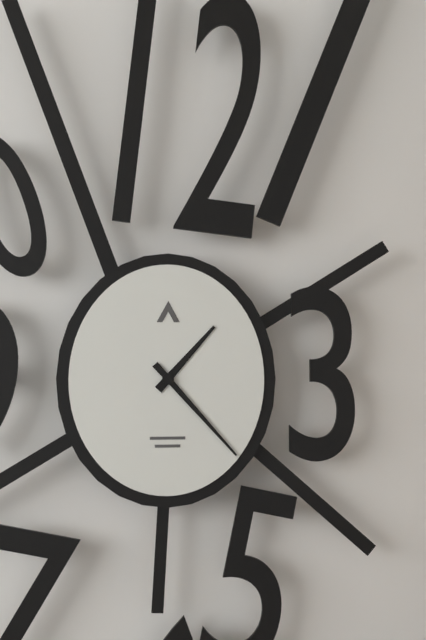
1:23
